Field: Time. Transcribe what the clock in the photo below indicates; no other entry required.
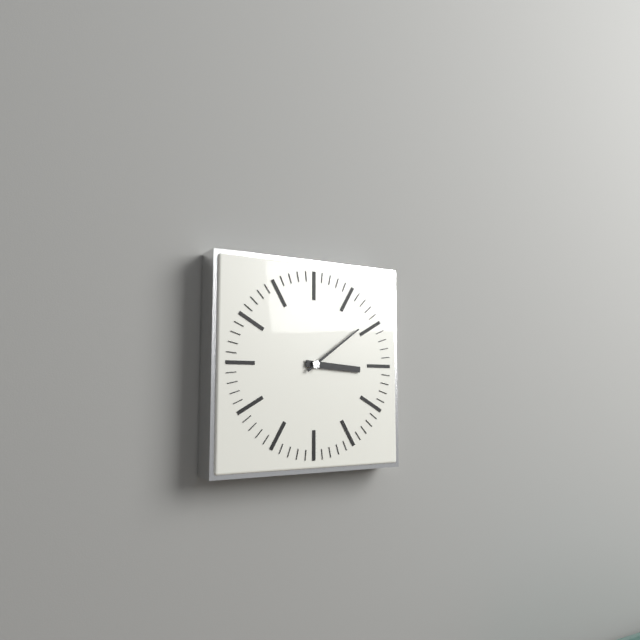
3:09
